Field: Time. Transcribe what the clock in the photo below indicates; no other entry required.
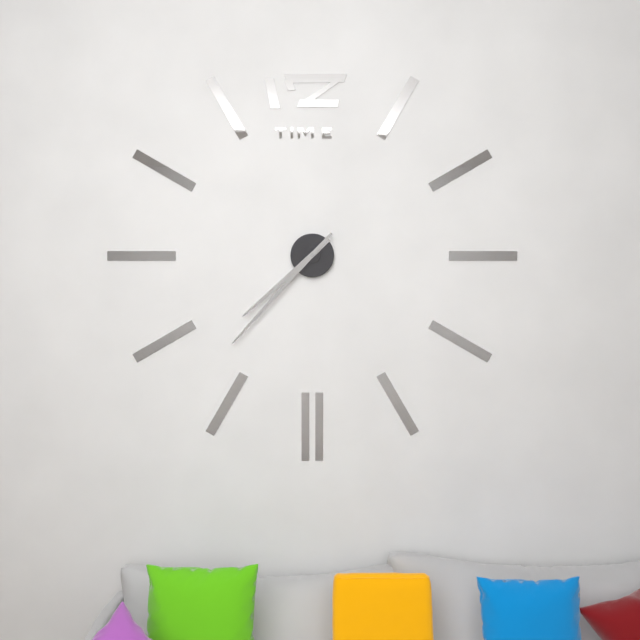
7:37
